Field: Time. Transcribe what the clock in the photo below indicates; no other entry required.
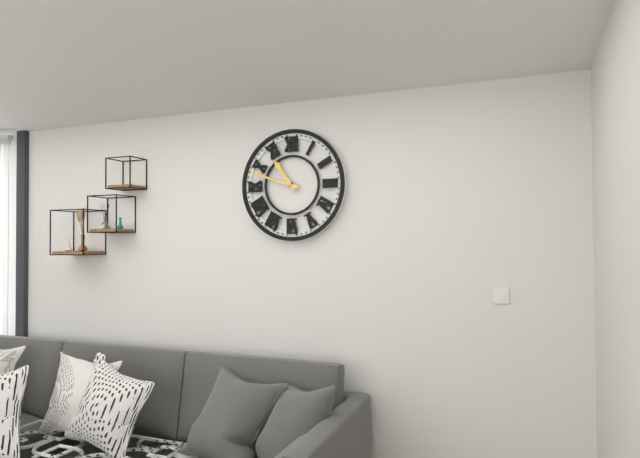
10:48
